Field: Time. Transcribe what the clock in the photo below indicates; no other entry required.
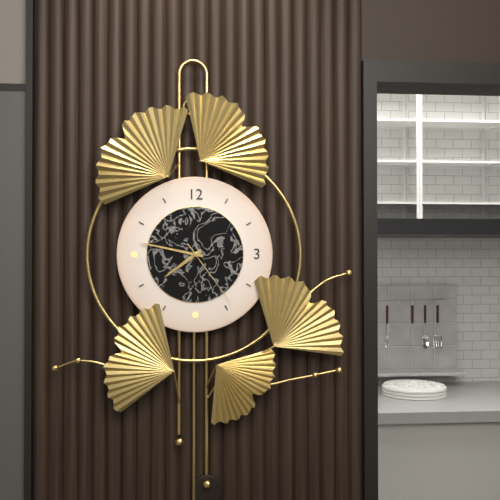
7:47:24
